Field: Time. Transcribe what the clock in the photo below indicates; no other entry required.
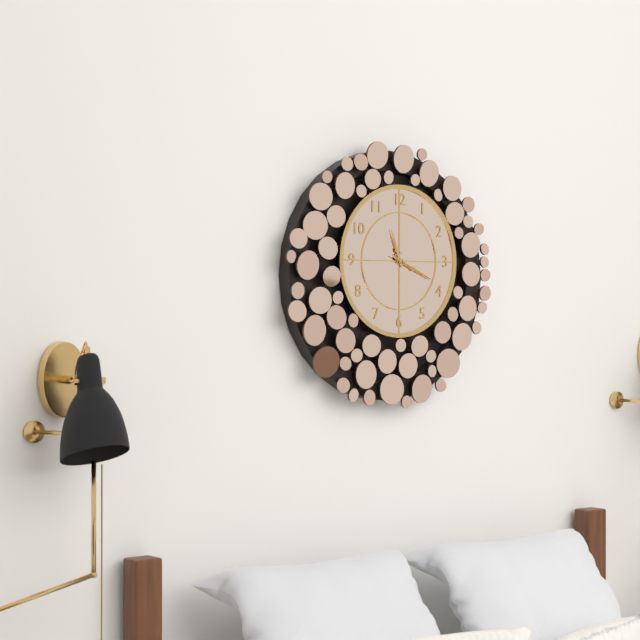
11:19
